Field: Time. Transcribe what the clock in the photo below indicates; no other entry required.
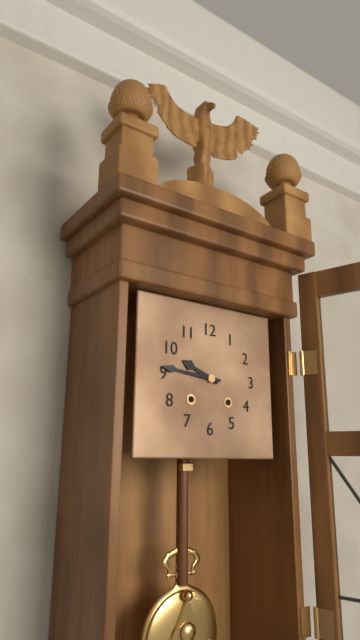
9:46
